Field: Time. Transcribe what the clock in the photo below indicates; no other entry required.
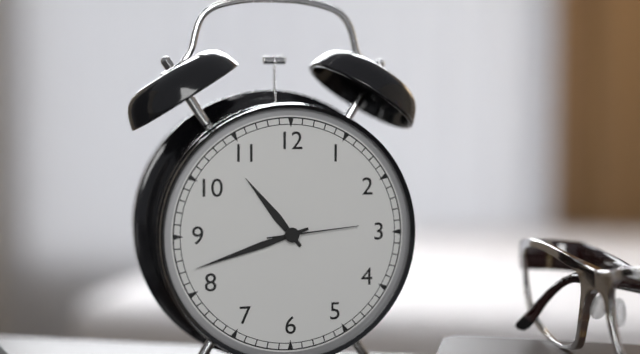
10:42:14
